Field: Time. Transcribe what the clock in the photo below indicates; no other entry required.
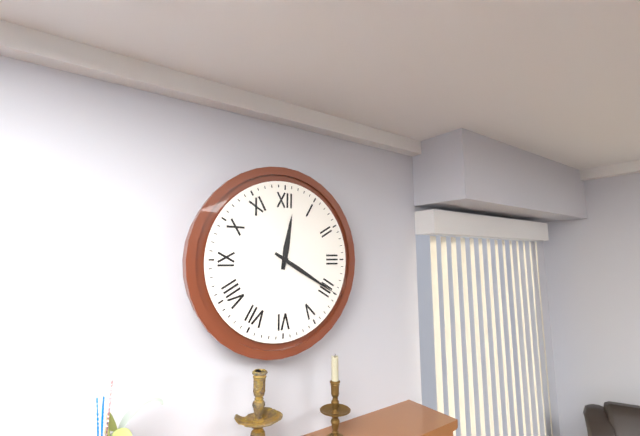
12:20
